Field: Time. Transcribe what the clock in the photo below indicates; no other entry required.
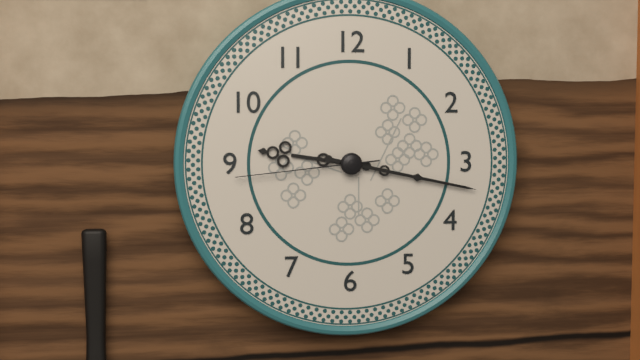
9:17:44
